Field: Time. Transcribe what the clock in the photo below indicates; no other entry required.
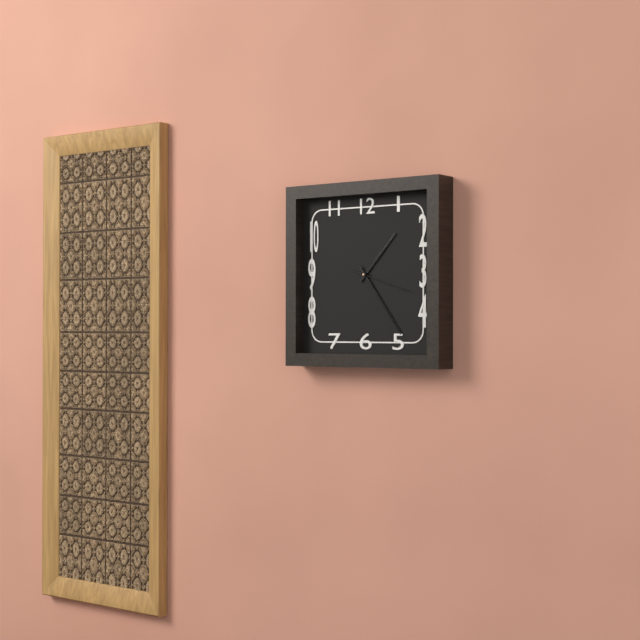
1:24:18
